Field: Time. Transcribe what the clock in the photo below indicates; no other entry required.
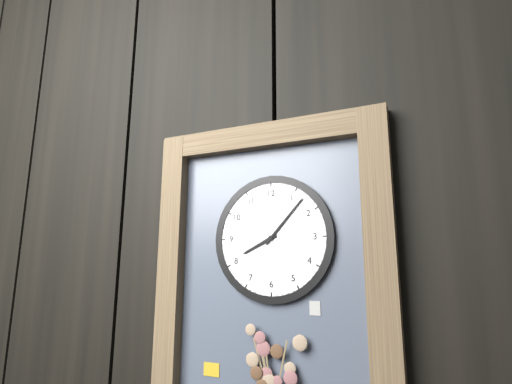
8:07
